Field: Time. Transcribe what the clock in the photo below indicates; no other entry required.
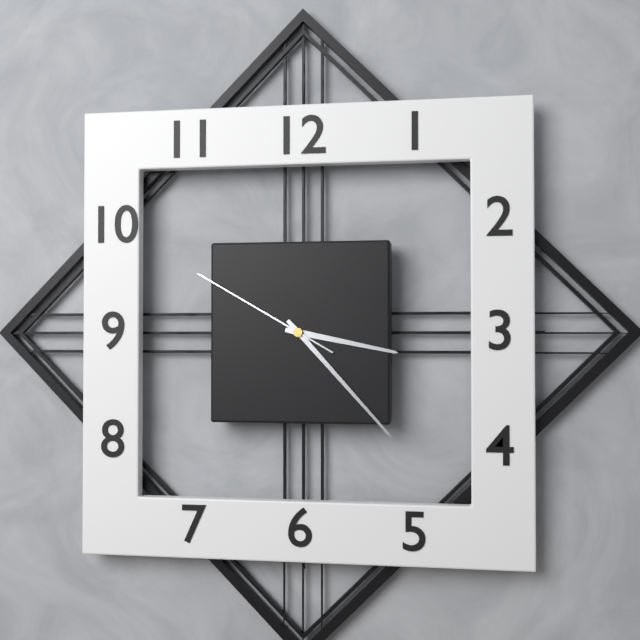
3:23:50
